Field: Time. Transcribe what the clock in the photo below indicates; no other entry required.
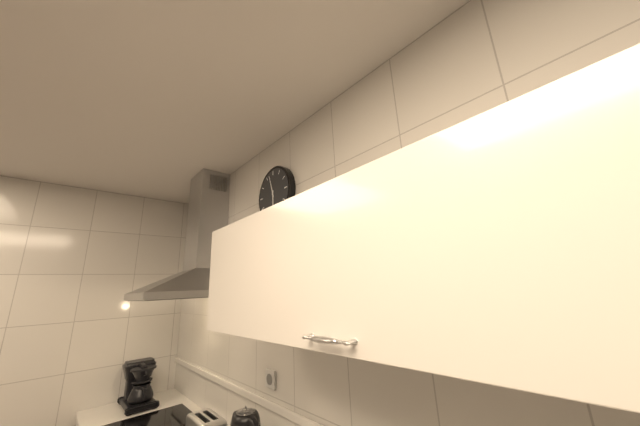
5:57
